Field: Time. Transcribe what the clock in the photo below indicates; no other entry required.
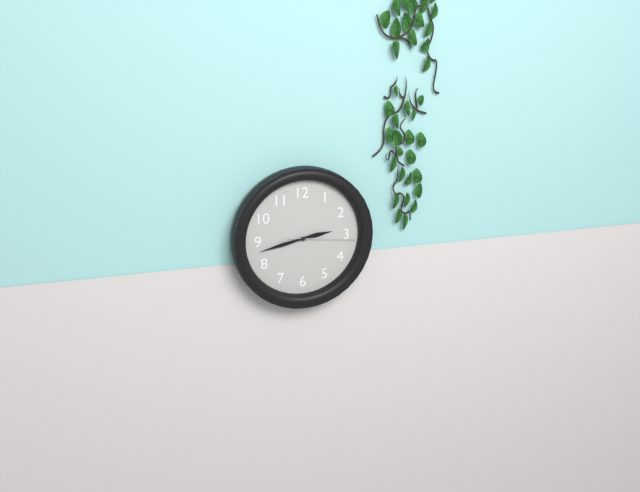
2:43:16
